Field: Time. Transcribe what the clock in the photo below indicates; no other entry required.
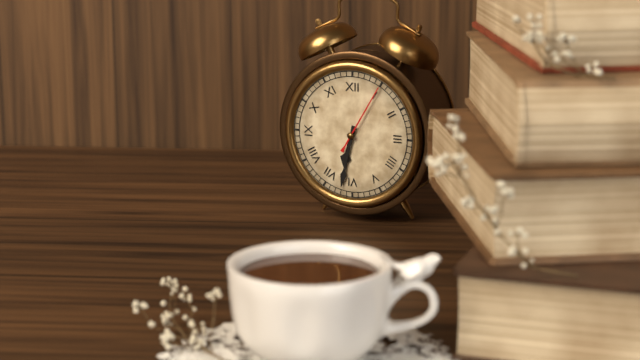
6:32:05
